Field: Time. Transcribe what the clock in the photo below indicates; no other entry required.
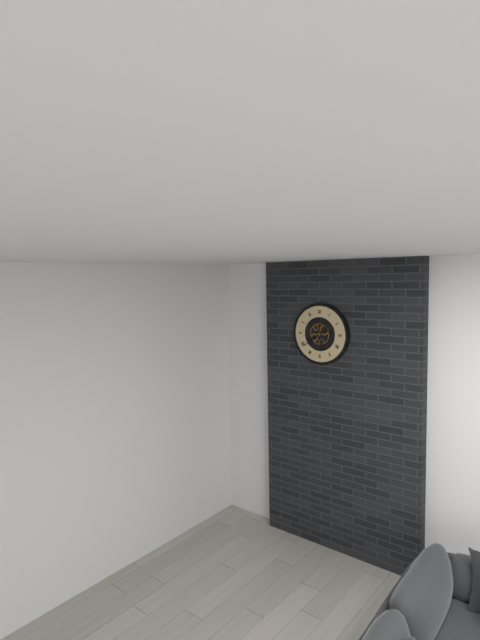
1:39
